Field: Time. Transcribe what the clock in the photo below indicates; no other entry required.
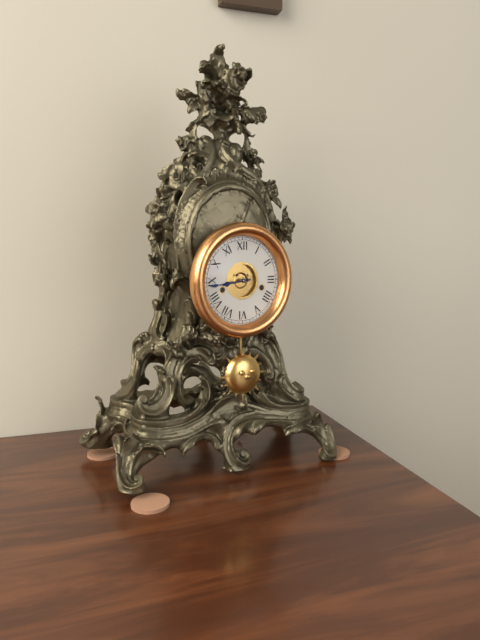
8:44
